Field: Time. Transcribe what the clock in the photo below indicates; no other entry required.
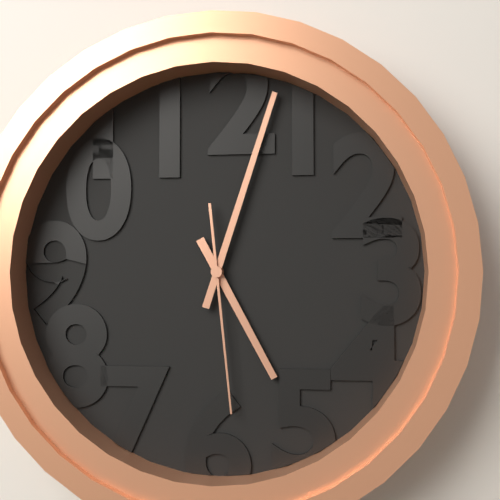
5:03:29
